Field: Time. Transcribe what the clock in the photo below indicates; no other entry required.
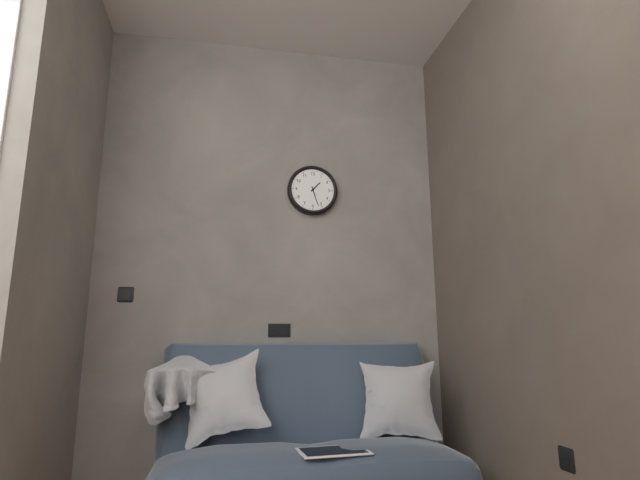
1:27
